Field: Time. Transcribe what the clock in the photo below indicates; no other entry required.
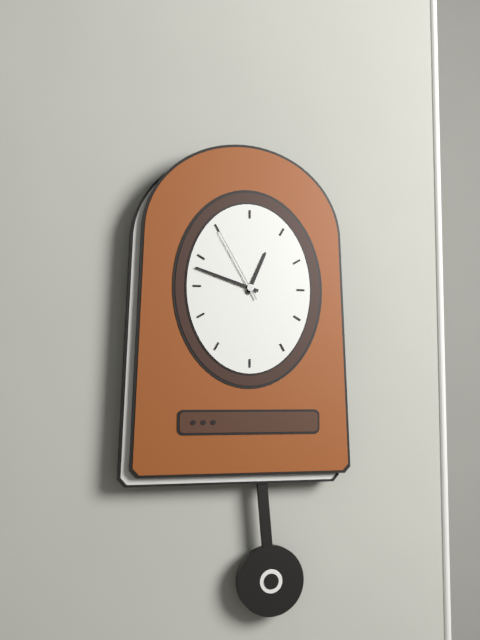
12:48:55
